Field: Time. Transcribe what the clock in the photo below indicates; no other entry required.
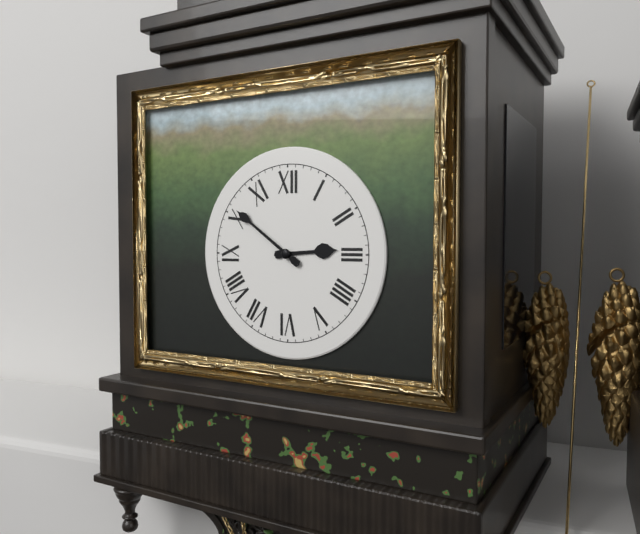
2:51
